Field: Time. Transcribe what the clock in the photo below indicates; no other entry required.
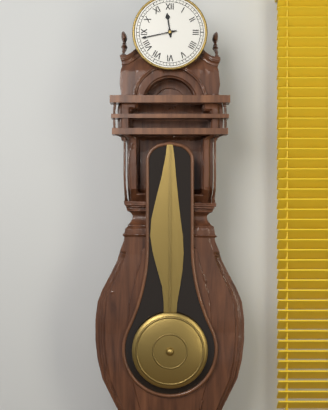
11:43
